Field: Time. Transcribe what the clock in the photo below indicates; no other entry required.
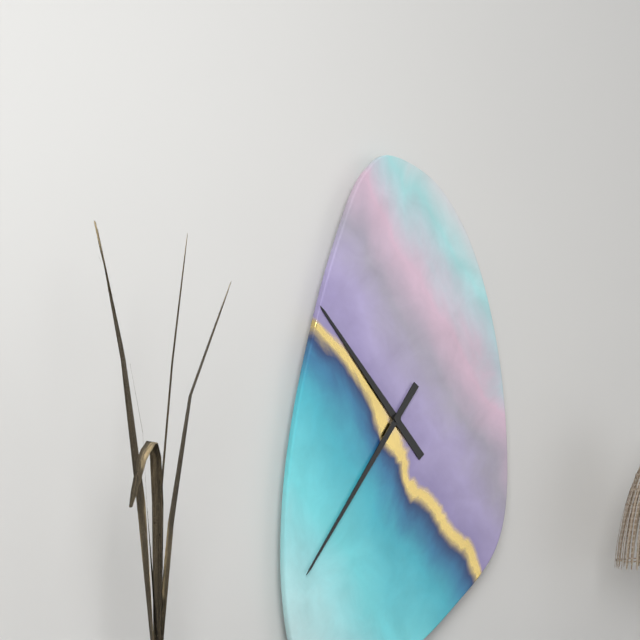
10:36
